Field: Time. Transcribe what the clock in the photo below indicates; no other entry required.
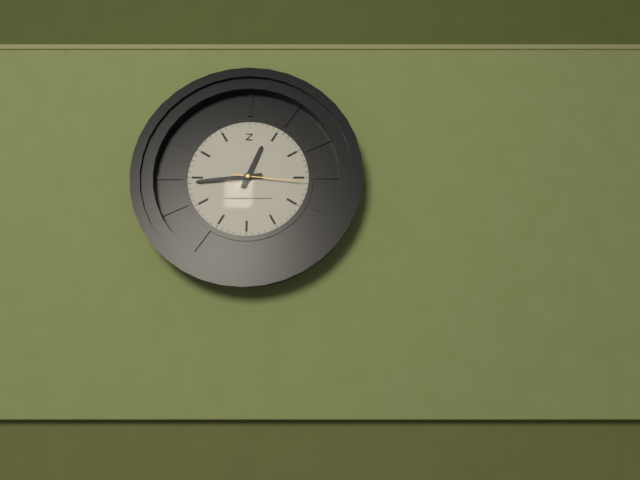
12:44:16
